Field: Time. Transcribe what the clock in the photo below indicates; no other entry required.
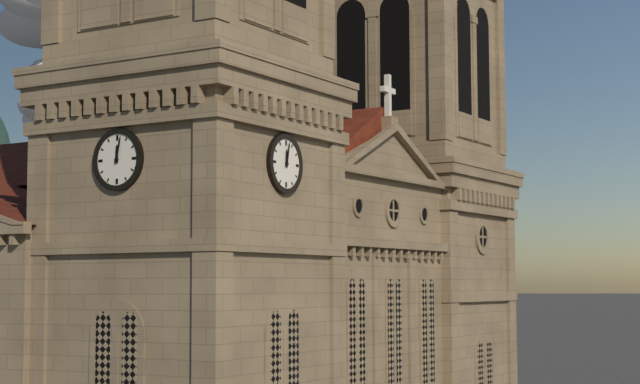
12:02
